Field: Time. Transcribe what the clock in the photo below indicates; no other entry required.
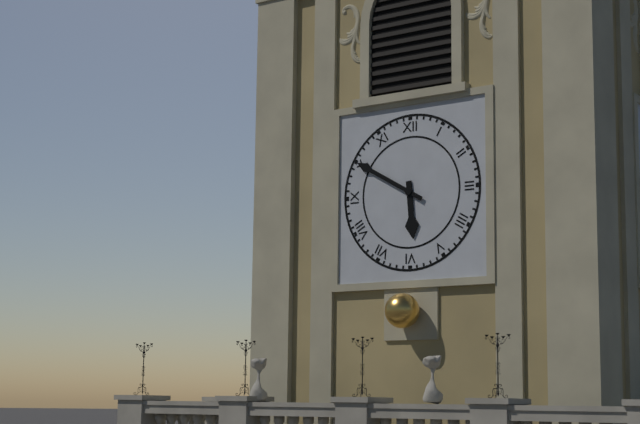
5:50
